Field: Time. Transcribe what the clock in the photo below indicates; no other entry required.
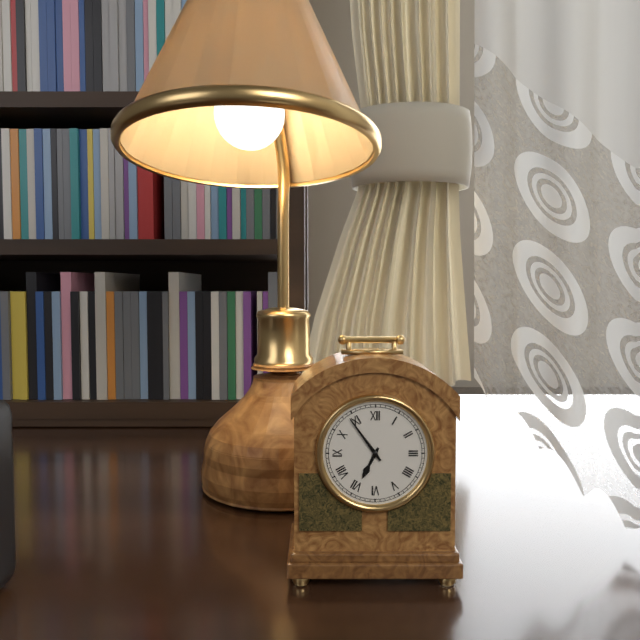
6:54
